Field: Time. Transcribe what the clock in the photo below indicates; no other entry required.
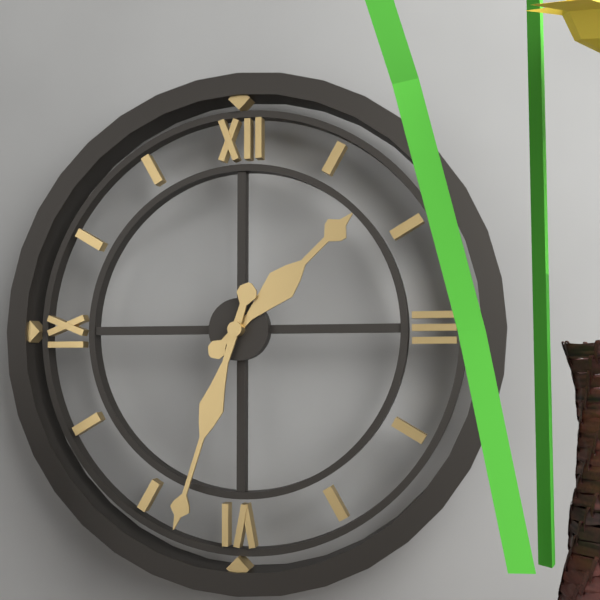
1:33
